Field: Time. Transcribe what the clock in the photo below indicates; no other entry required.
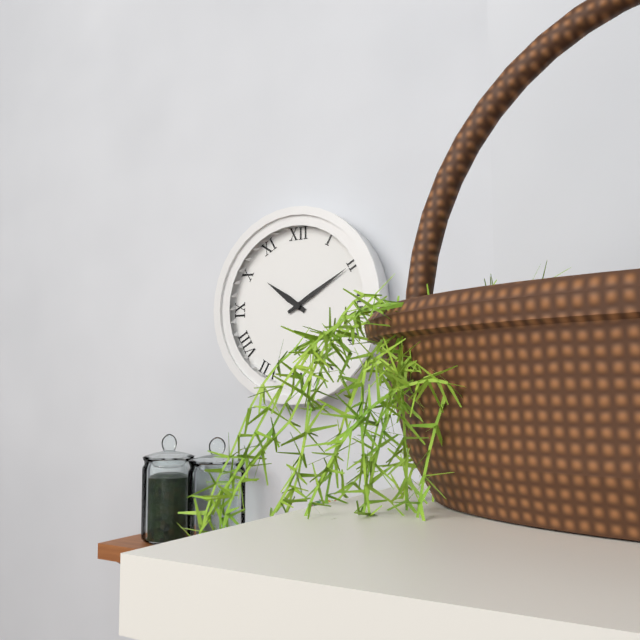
10:10
